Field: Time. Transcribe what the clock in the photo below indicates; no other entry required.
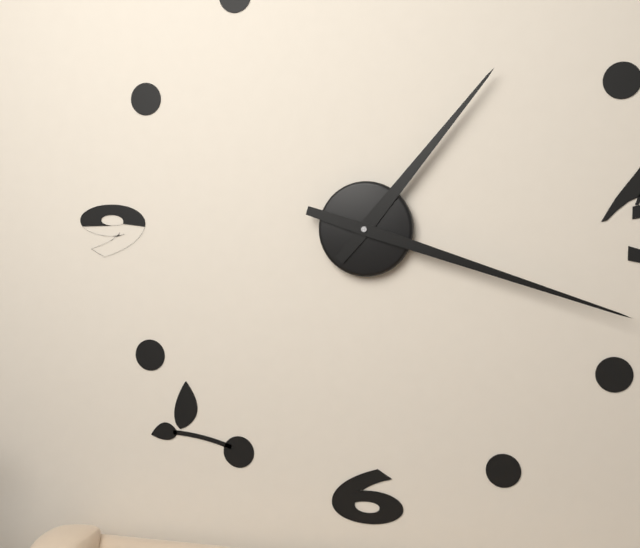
1:18
